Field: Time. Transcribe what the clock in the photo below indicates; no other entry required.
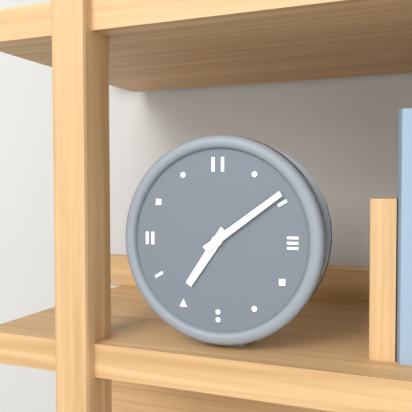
7:09
